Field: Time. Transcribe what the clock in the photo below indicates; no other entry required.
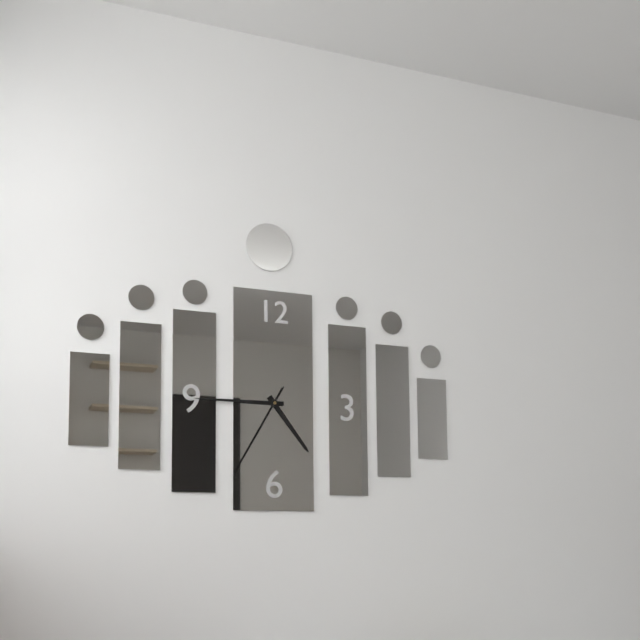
4:45:35
